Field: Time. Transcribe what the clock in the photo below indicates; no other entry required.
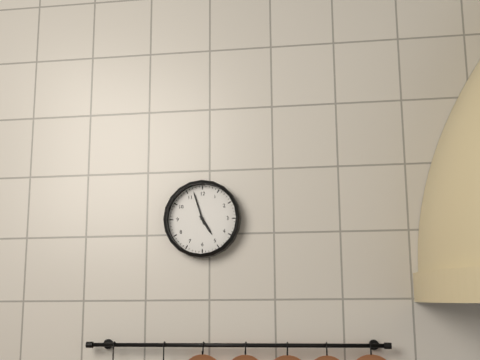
4:57
